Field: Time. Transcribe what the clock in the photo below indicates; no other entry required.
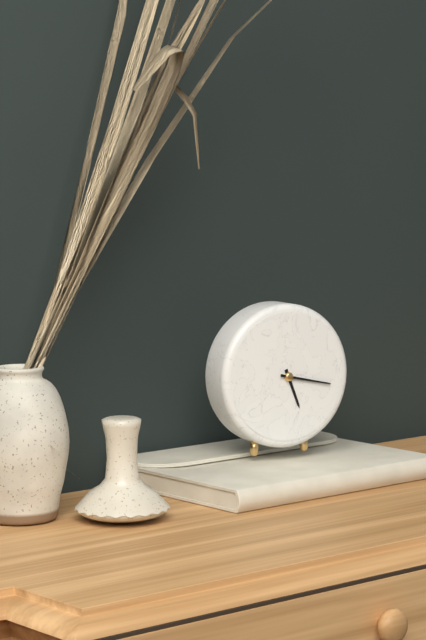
5:17
